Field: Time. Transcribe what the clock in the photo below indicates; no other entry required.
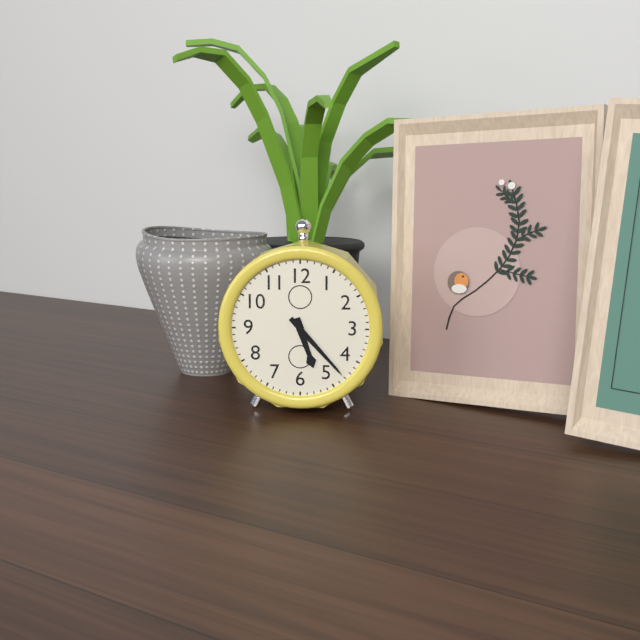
5:23
